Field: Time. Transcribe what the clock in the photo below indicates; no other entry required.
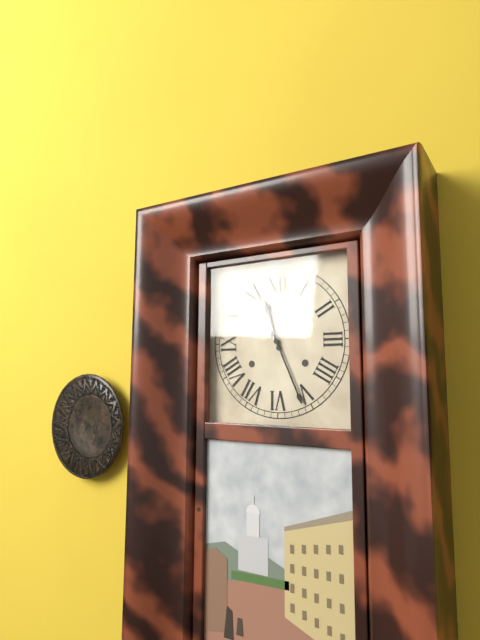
11:26
